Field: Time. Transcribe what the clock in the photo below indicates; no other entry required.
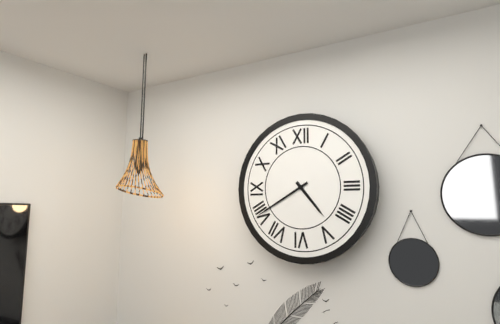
4:40
